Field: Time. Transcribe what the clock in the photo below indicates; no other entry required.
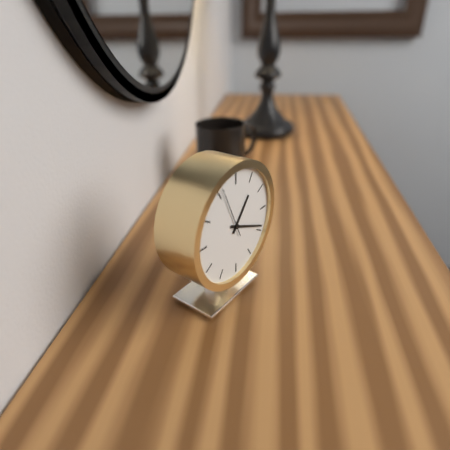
1:19:56
